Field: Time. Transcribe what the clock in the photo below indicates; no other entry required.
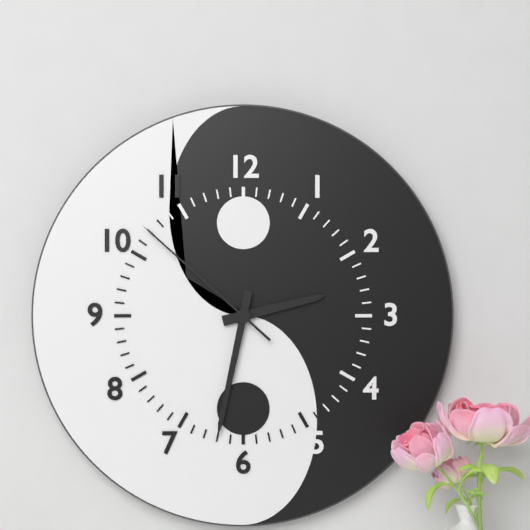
2:32:52
